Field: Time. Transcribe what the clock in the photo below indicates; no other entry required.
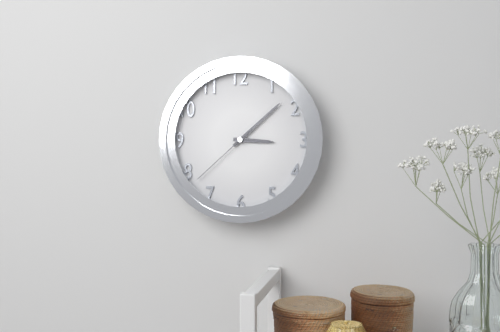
3:08:38
